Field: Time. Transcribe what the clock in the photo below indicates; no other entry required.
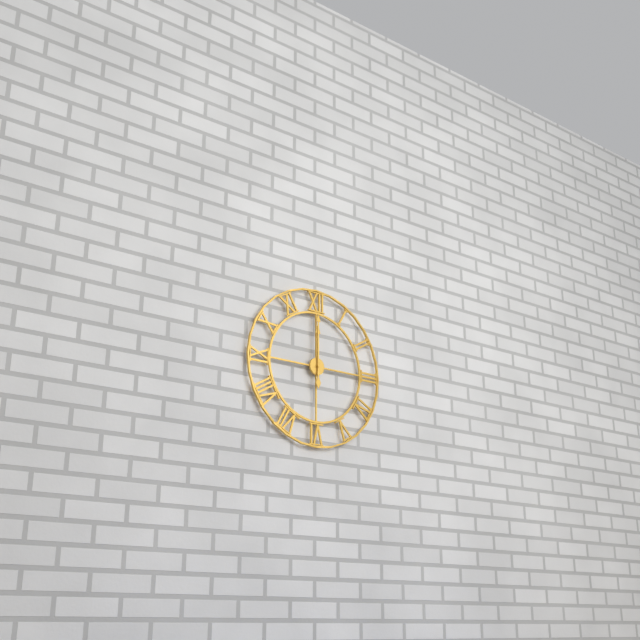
12:00
